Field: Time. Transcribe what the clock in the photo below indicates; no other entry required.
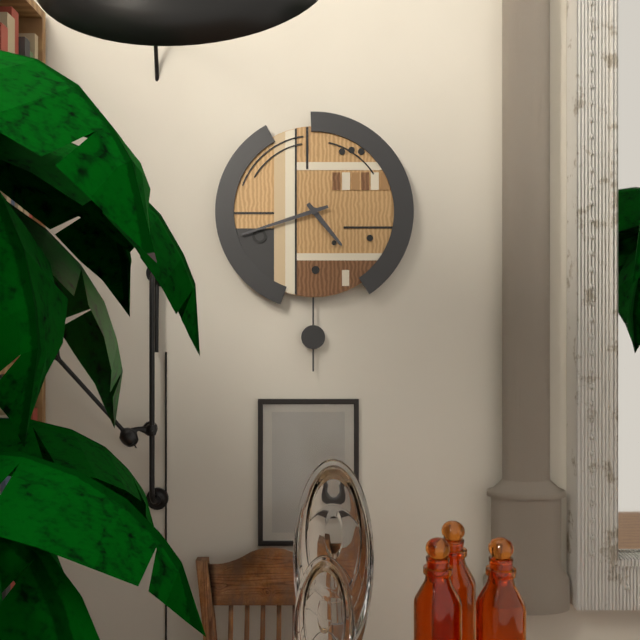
4:42
